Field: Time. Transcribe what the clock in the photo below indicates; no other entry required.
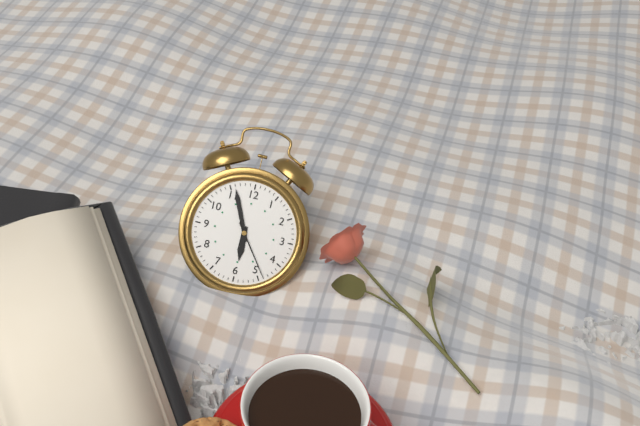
5:56:24
